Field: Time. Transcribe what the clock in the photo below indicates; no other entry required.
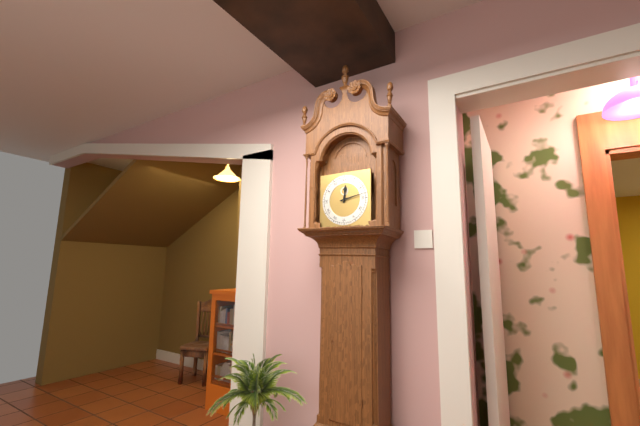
12:13
